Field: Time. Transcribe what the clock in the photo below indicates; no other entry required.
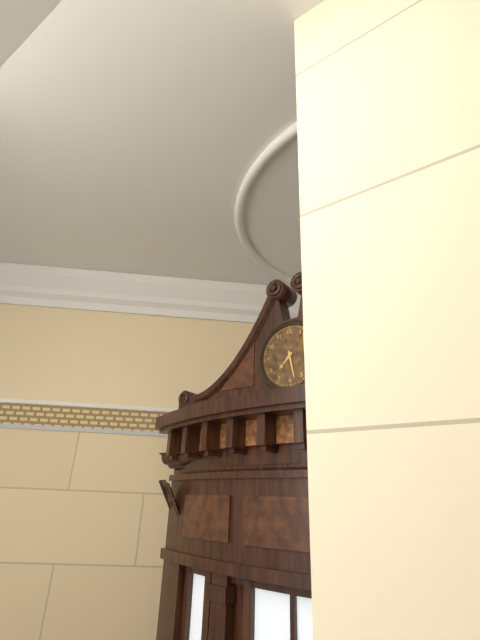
7:28
